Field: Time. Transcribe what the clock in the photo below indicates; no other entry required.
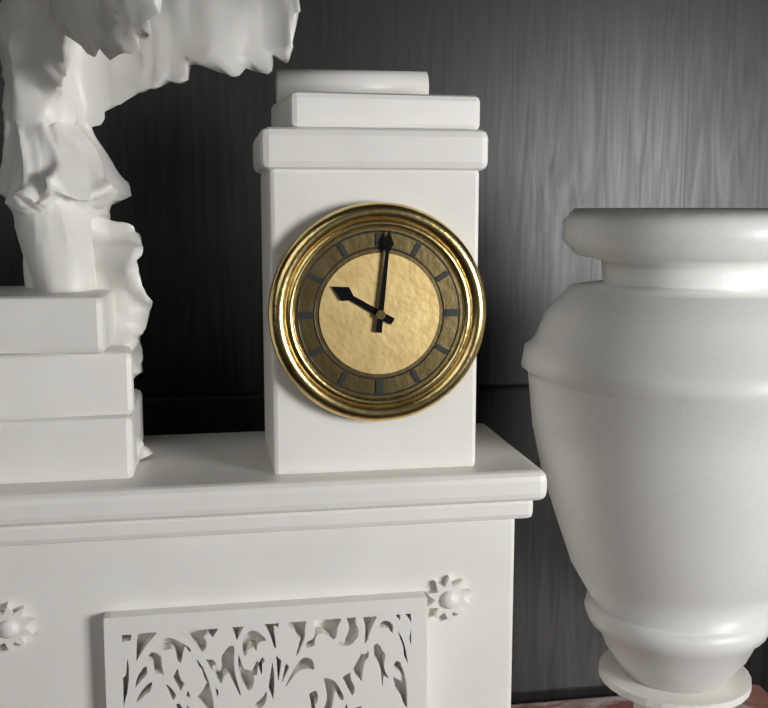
10:01
